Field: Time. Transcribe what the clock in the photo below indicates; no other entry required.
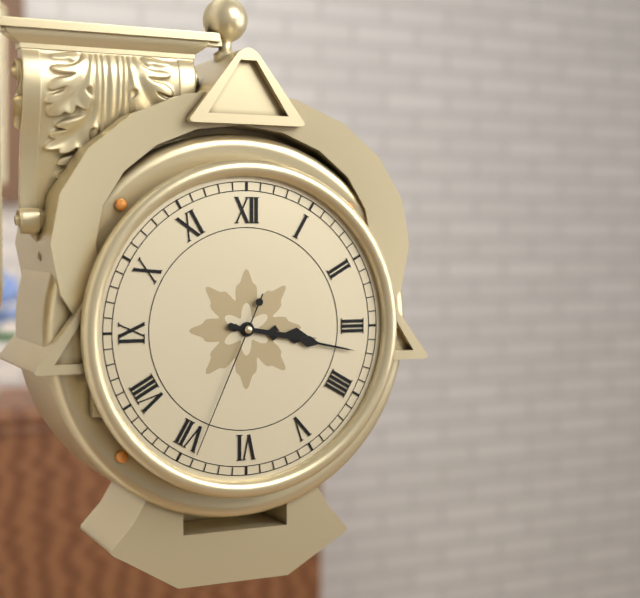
3:17:34
